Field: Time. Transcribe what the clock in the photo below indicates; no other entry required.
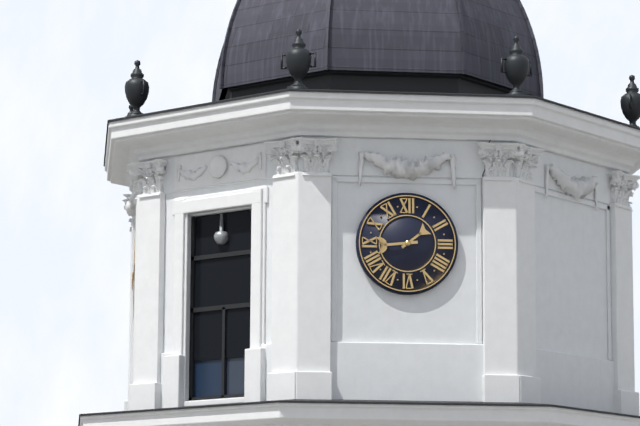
1:44
